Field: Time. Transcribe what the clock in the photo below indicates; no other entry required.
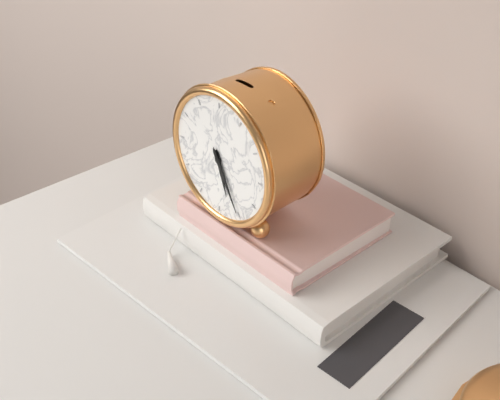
5:25
